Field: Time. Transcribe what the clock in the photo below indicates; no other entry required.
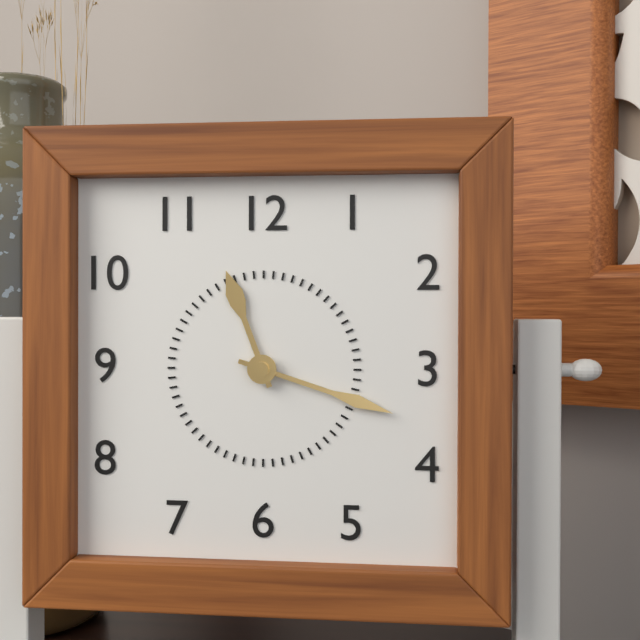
11:18
